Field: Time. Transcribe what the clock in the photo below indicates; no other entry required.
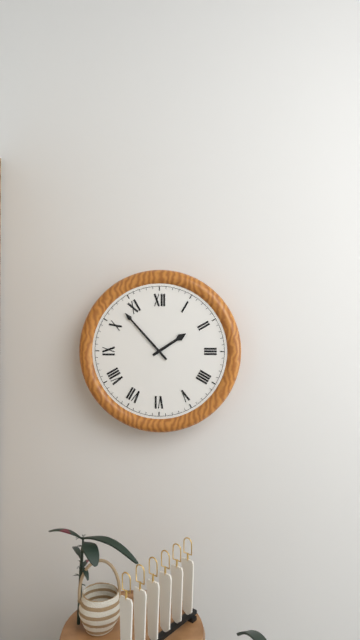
1:53
